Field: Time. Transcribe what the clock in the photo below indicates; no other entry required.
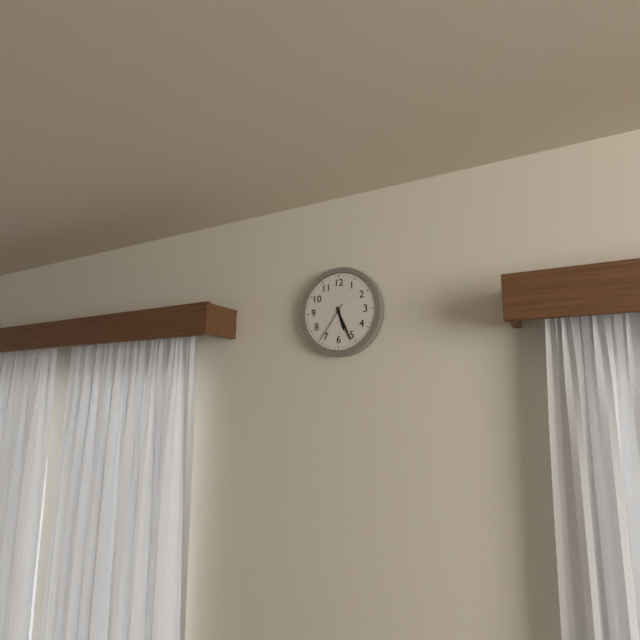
5:26
